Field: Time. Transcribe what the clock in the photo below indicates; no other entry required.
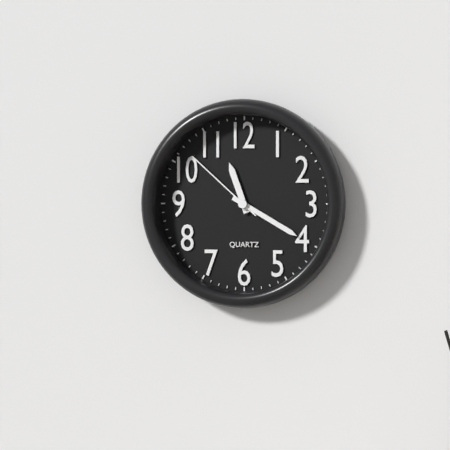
11:20:52
